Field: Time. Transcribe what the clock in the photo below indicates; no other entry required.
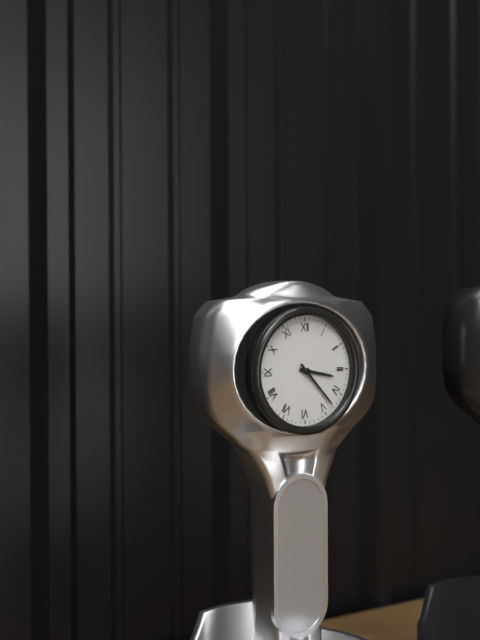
3:23
